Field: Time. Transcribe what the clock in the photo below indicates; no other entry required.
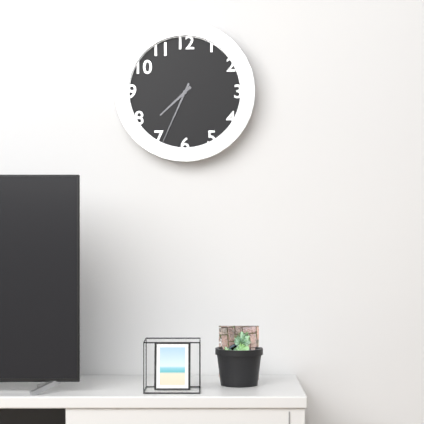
7:34
